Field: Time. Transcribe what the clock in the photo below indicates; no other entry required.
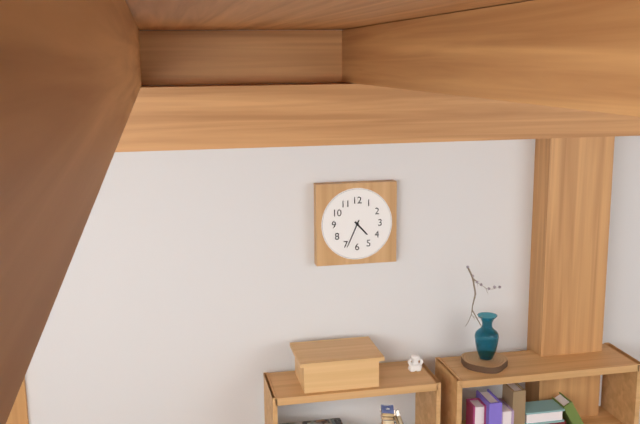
4:34
